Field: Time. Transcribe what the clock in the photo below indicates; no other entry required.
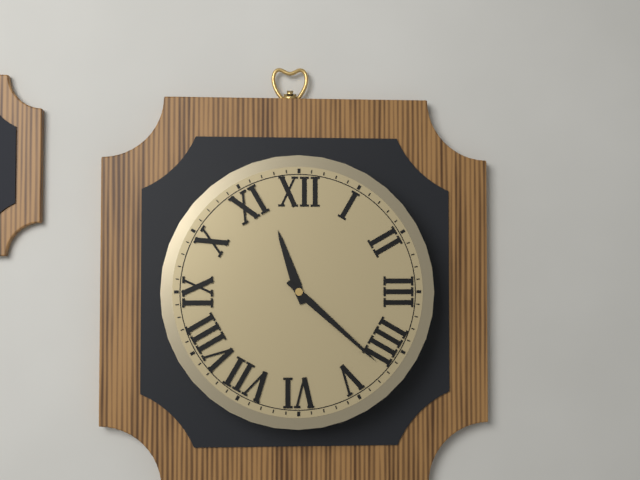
11:22
